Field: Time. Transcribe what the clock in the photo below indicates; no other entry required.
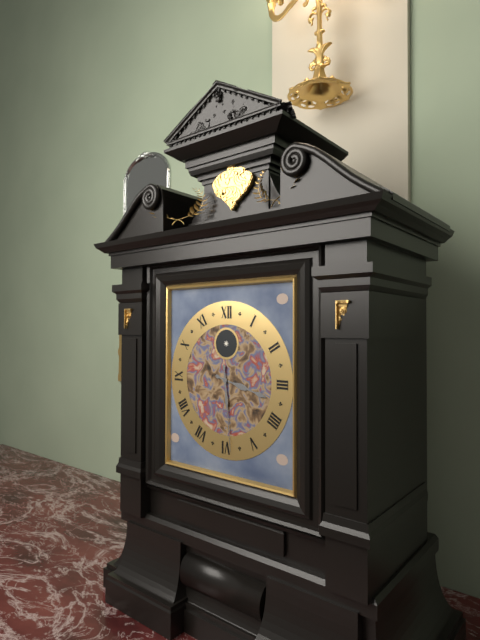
3:29
